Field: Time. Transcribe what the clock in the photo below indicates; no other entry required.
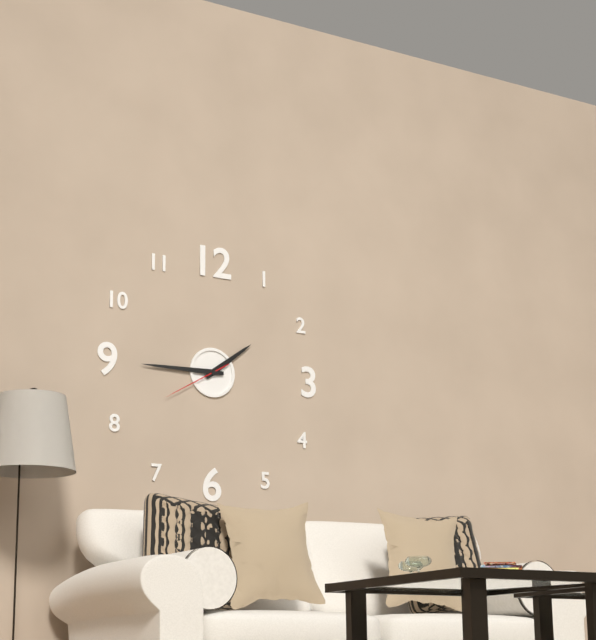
1:45:40
